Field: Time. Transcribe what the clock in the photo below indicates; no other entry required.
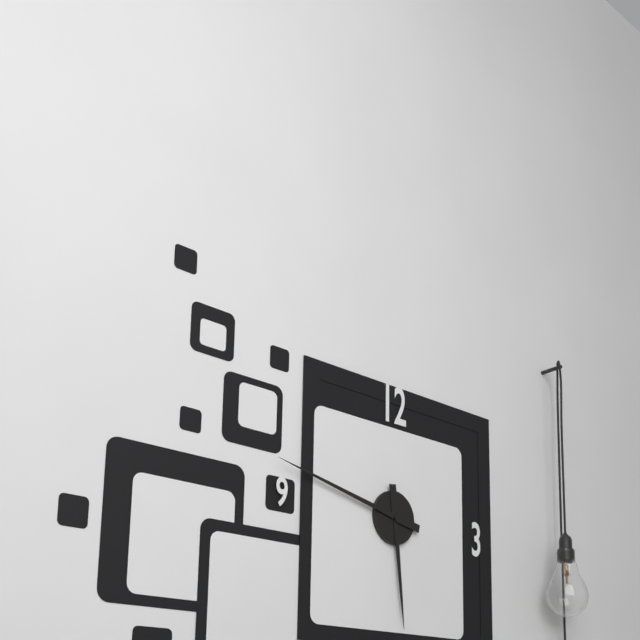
5:47
